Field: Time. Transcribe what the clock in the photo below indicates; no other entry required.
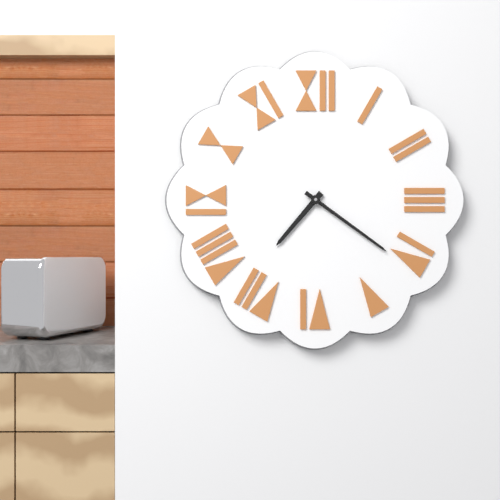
7:21
